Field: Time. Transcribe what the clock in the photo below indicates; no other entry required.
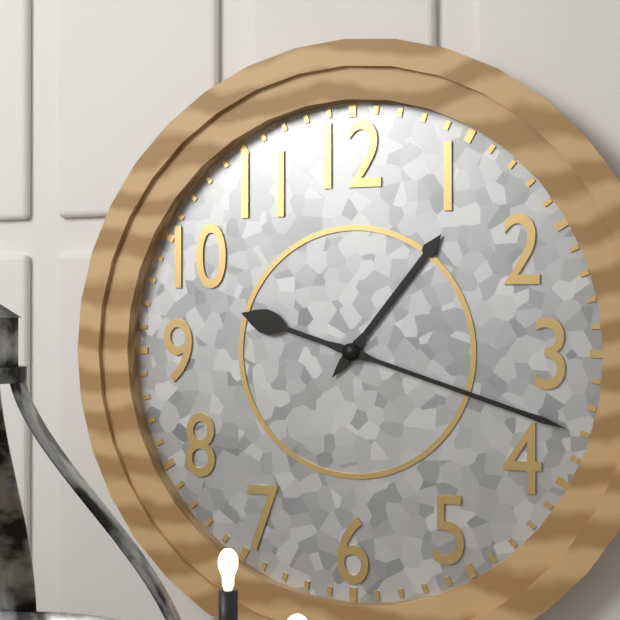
1:18
